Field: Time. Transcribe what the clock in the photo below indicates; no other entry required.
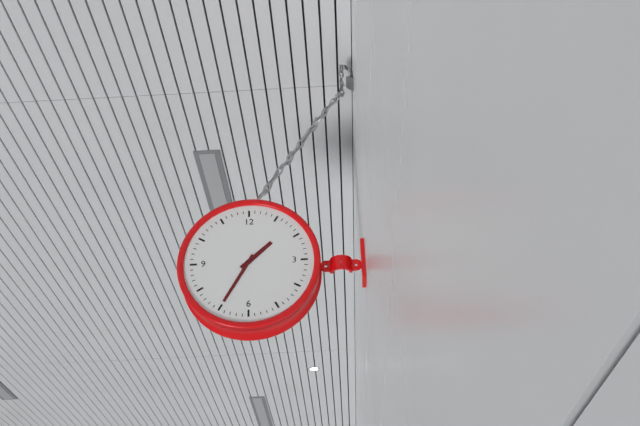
1:35
